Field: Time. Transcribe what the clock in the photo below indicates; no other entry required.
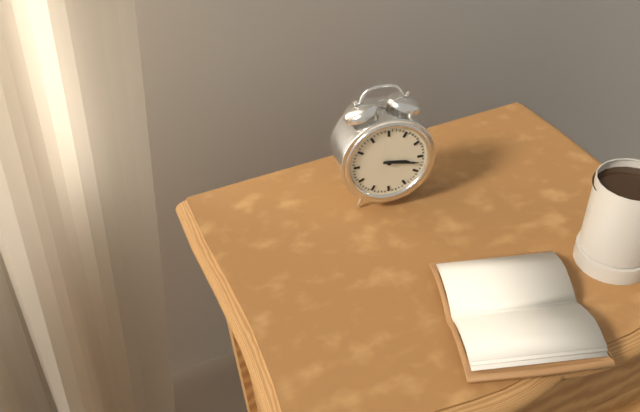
3:17
